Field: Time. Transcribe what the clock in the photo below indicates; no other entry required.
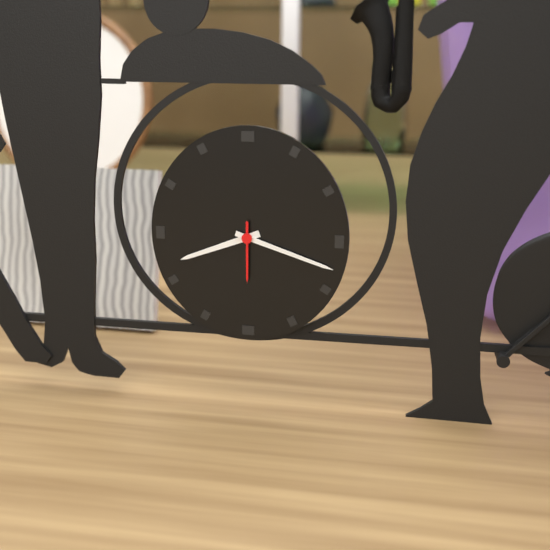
8:18:30
